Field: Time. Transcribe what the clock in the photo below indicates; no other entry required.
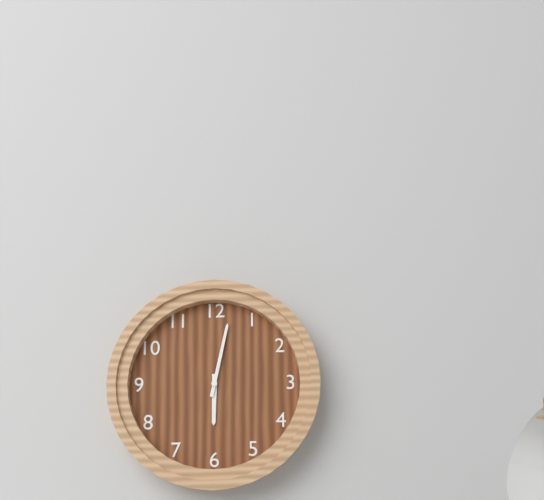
6:02
